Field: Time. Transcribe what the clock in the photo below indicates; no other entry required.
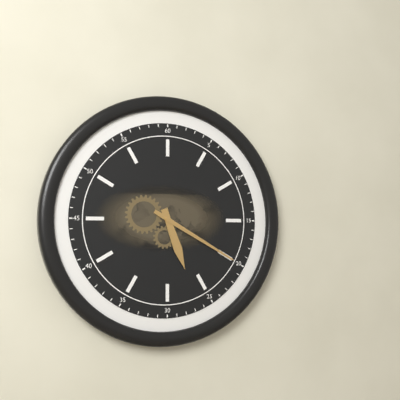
5:20
